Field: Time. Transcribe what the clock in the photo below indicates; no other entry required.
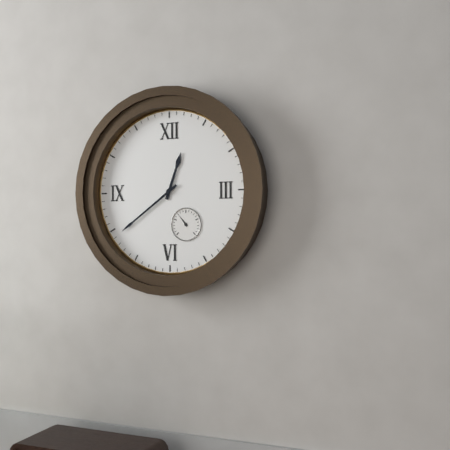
12:39
